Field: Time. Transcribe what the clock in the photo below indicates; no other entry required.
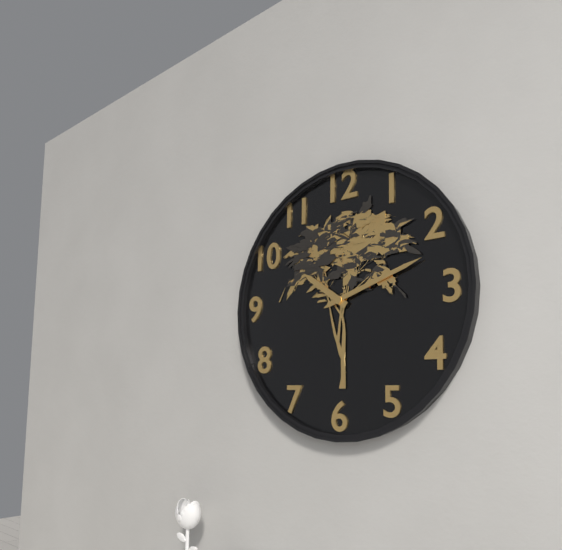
10:12
